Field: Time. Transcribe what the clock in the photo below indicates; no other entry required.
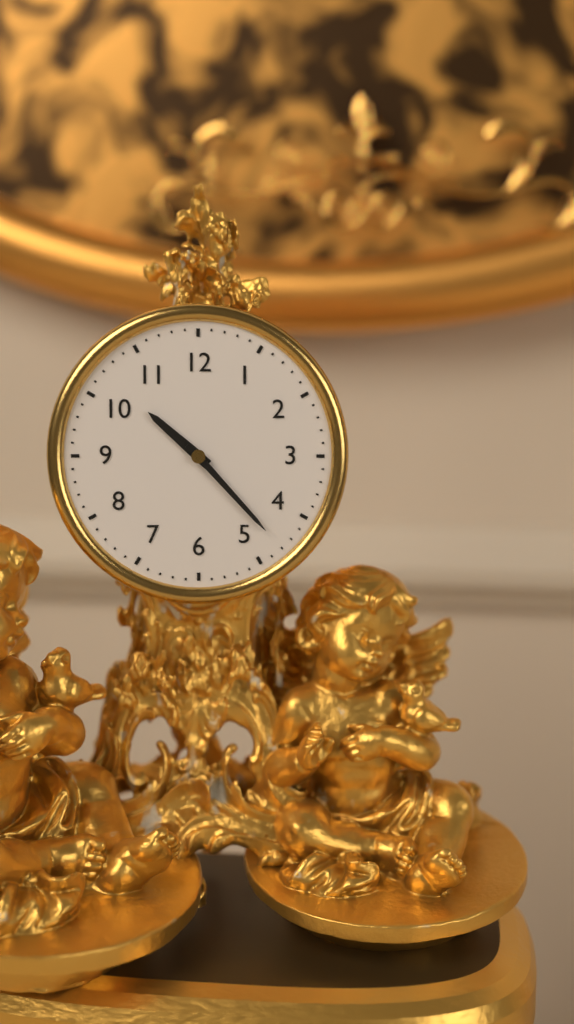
10:23
